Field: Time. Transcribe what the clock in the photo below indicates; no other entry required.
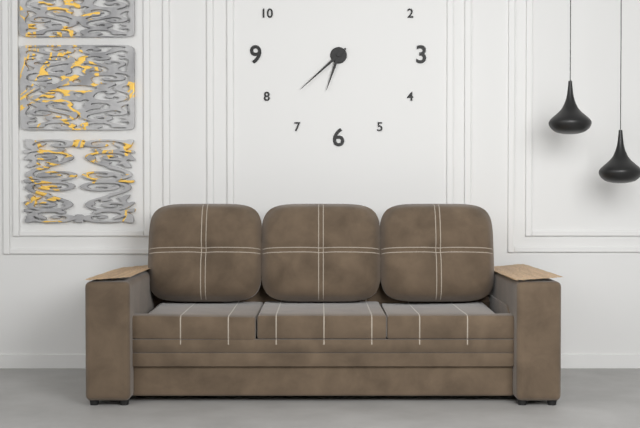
6:38
